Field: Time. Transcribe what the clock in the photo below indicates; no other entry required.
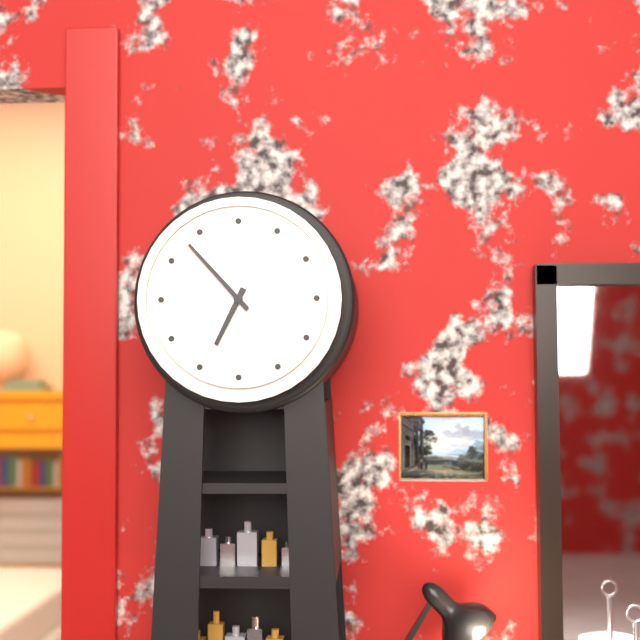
6:53
